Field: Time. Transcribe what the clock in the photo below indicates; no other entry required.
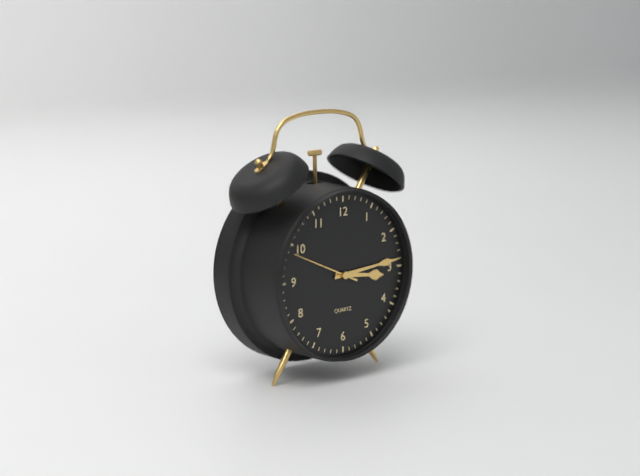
3:14:49
